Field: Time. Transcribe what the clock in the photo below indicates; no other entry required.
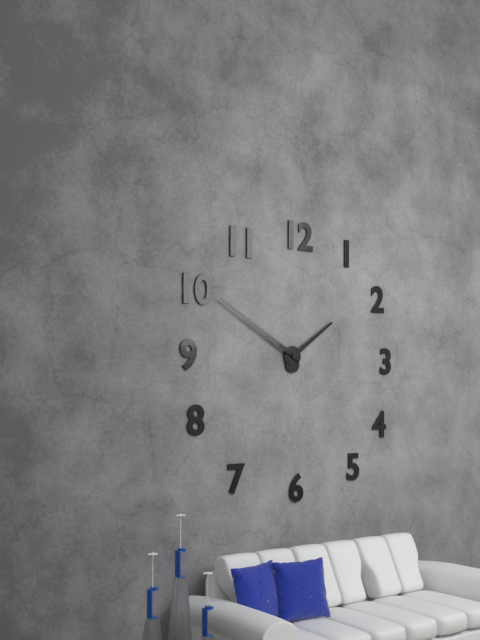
1:50
